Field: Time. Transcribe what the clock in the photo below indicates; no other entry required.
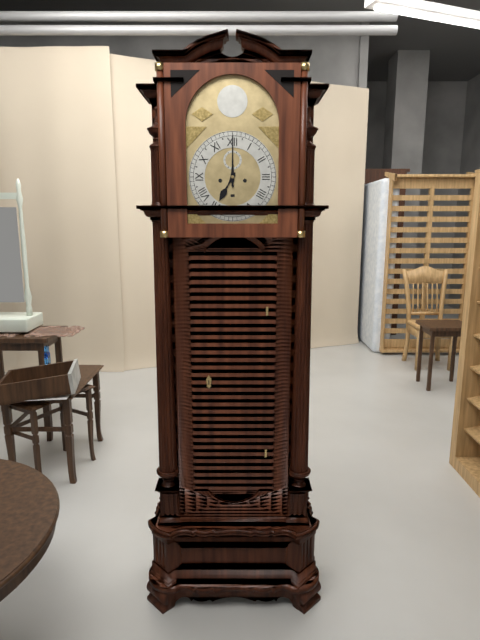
7:00
